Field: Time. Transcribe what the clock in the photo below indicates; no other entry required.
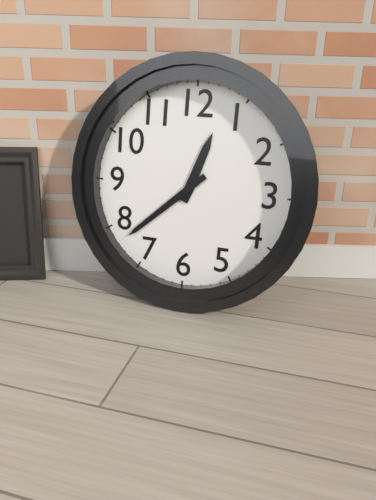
12:38
